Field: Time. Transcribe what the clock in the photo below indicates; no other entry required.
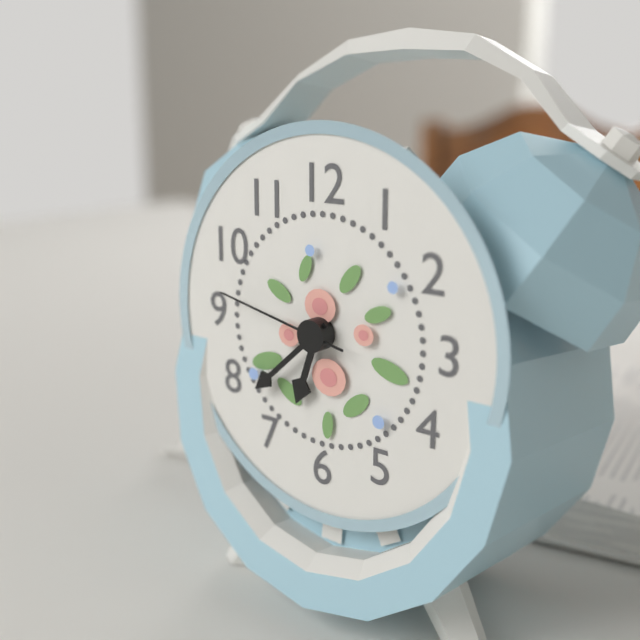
6:38:47
